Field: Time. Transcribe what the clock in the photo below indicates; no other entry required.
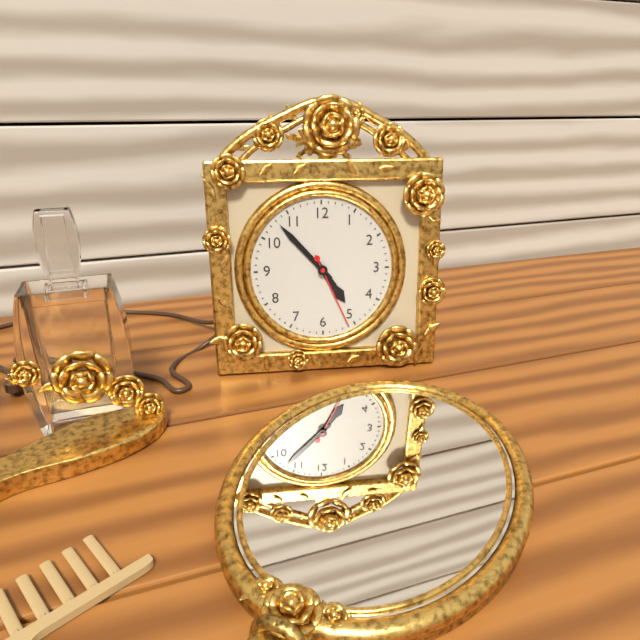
4:53:26
